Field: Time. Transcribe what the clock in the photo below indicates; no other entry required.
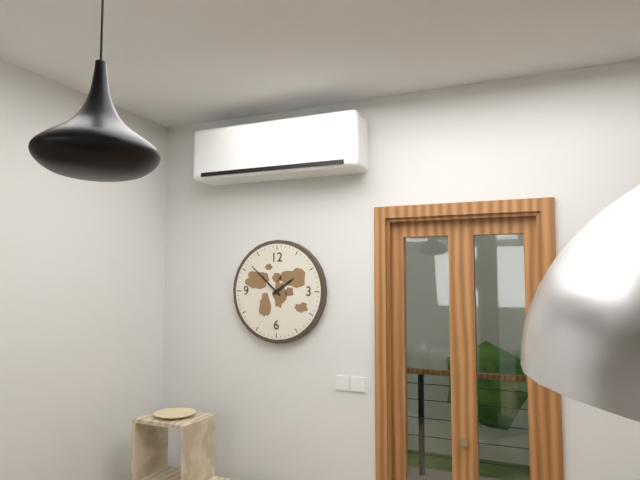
1:52
